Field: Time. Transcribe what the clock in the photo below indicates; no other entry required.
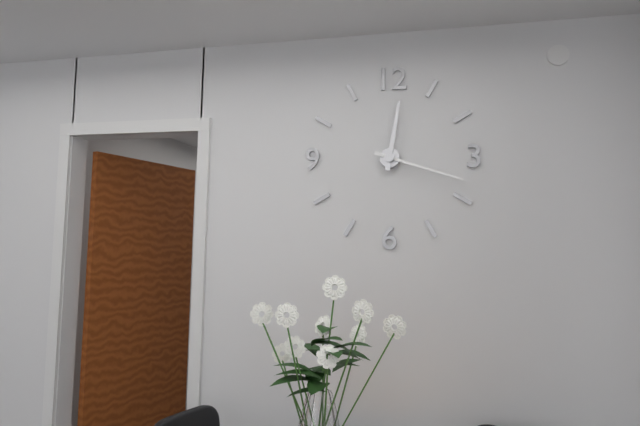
12:18
